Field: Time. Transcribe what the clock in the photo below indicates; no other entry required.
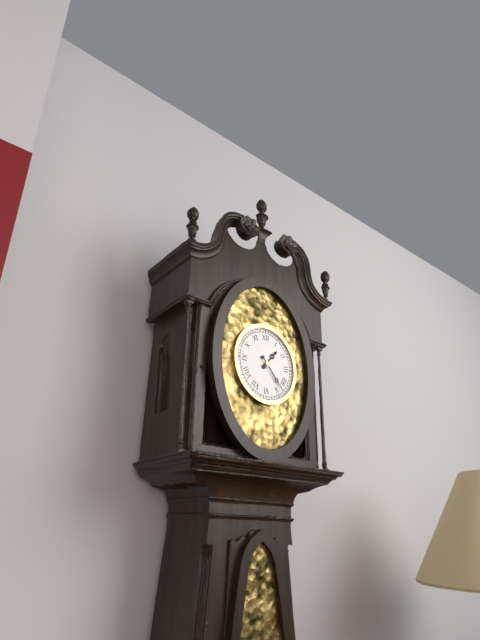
1:23
